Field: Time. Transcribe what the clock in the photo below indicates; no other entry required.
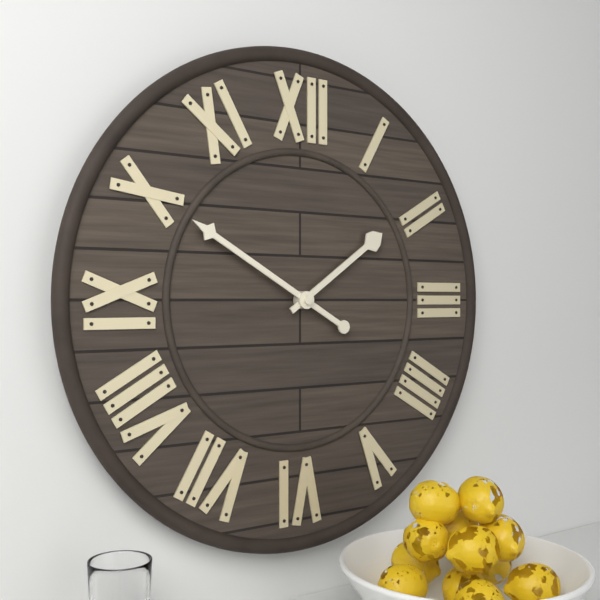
1:50
